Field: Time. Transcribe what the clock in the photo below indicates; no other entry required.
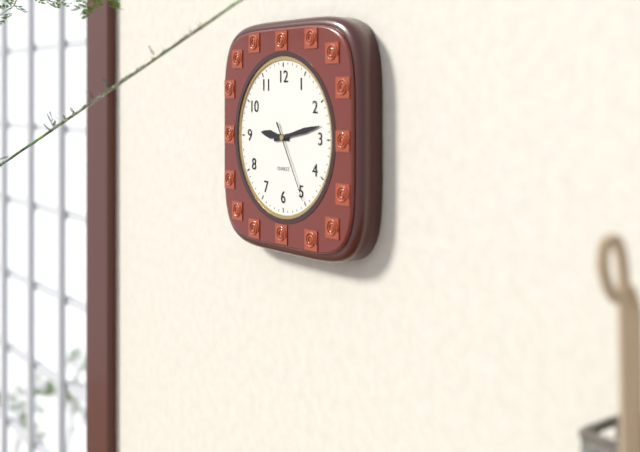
9:13:25
